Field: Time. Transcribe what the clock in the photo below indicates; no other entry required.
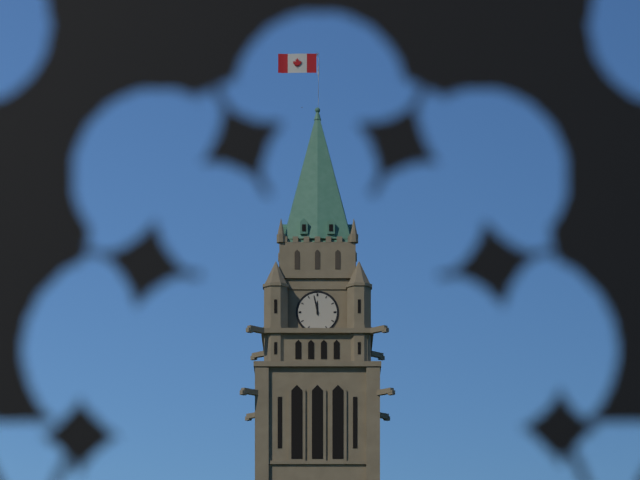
11:58
